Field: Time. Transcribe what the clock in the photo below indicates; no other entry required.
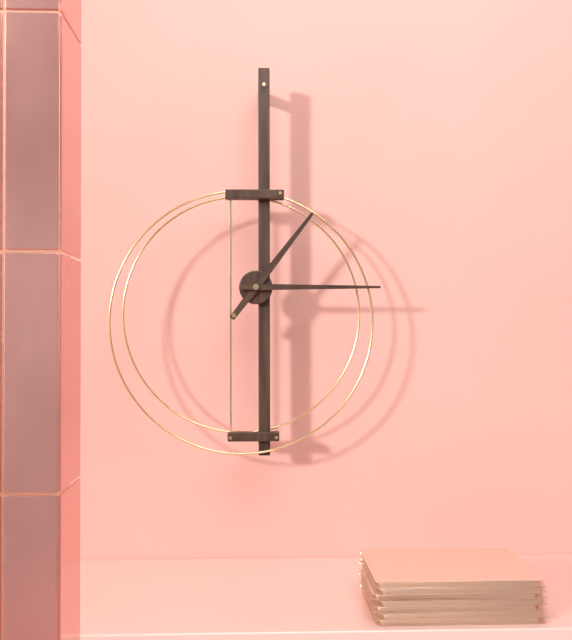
1:15
